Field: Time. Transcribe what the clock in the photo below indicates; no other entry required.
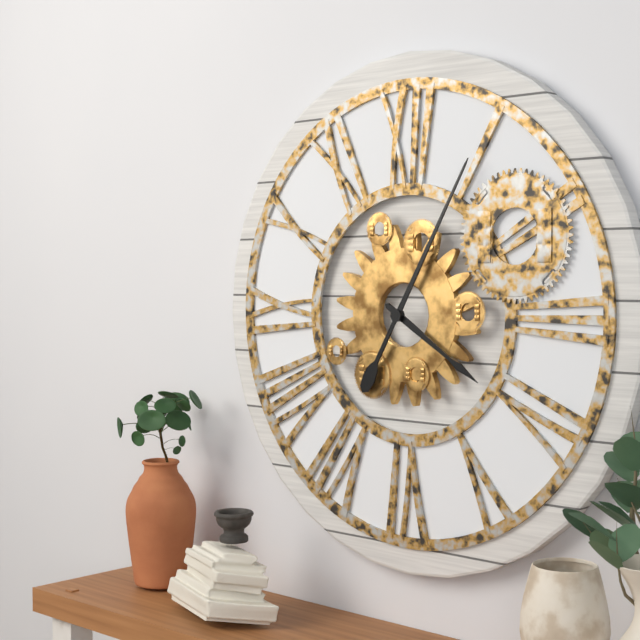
4:05
